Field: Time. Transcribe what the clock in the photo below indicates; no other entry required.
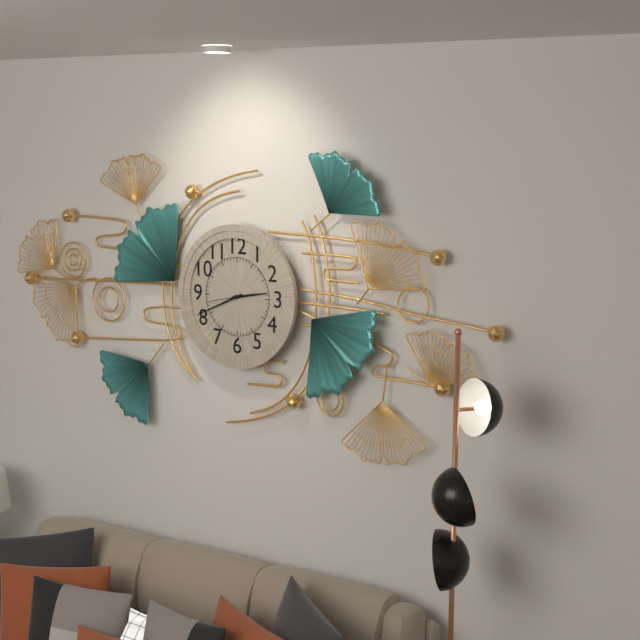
2:41
